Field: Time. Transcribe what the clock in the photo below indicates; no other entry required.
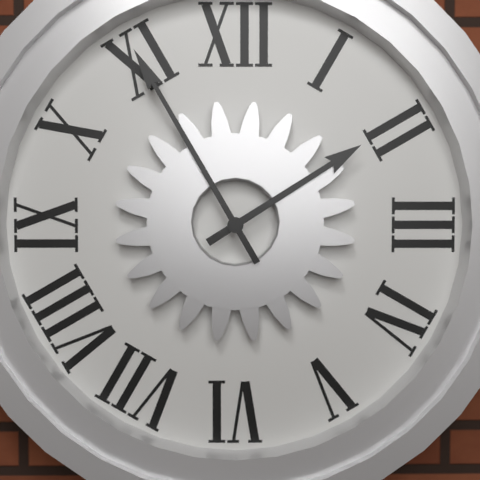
1:55
